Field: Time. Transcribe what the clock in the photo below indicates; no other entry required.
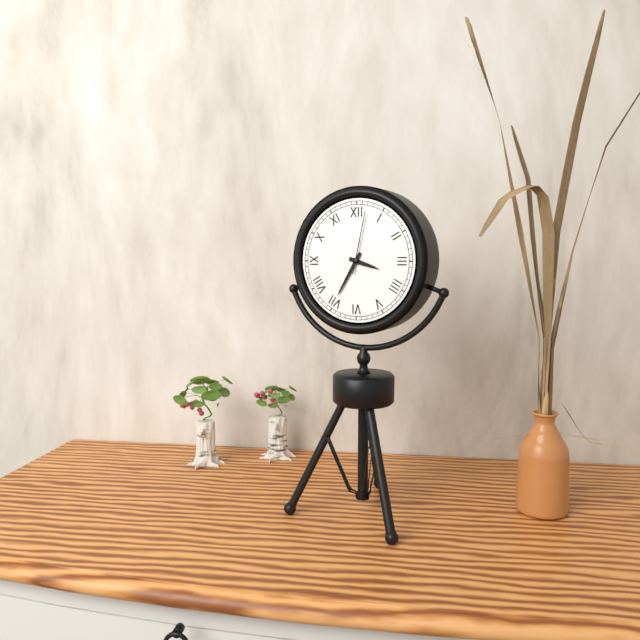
3:35:02
